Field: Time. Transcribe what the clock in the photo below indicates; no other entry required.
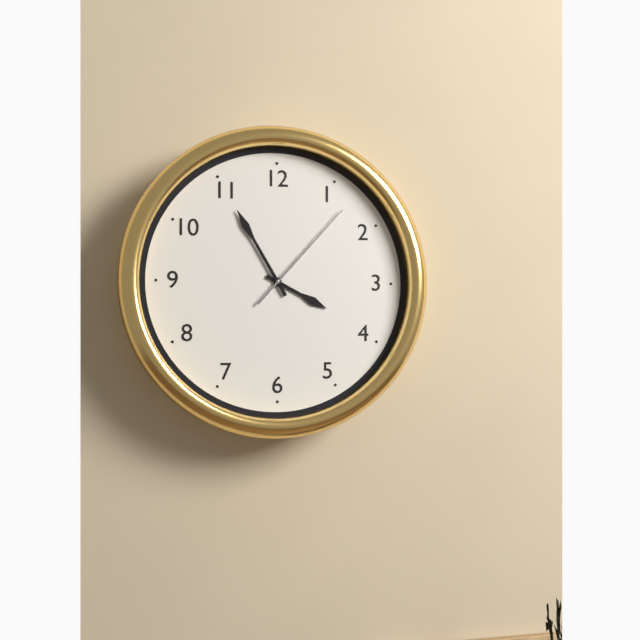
3:55:07
